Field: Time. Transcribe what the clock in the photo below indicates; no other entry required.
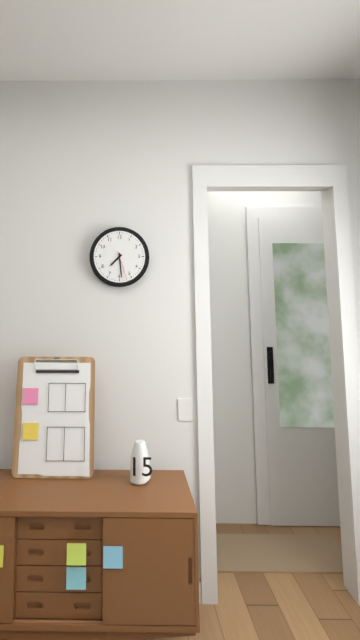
7:29
